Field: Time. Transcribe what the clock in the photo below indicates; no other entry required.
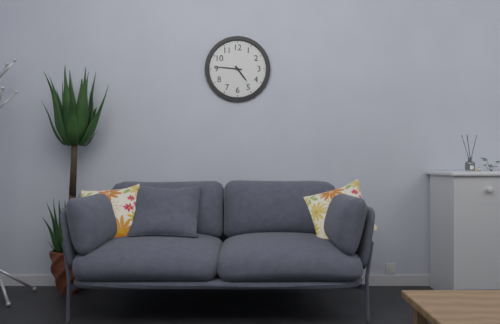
4:46
